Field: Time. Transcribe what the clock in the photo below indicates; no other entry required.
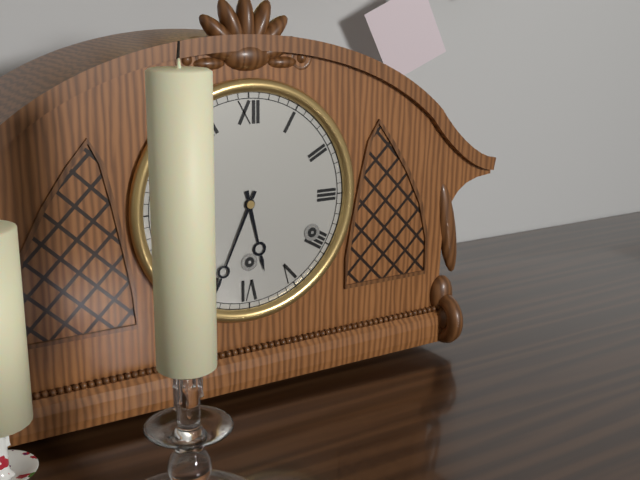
5:34
